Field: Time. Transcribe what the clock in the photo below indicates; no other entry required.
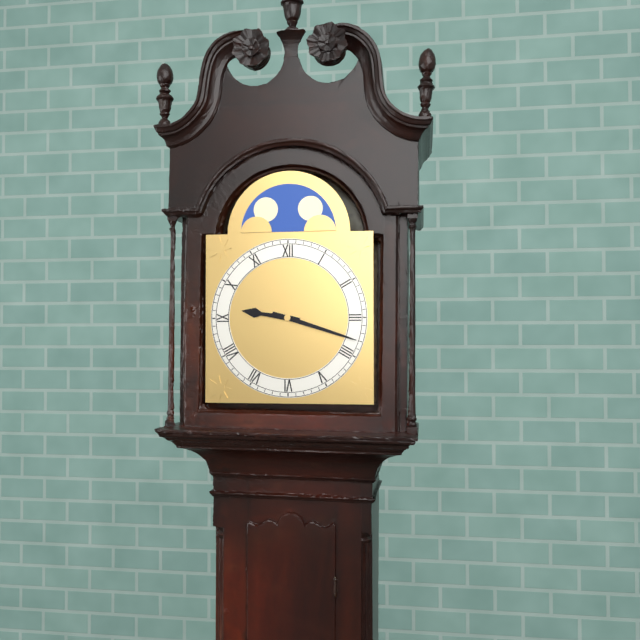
9:18
